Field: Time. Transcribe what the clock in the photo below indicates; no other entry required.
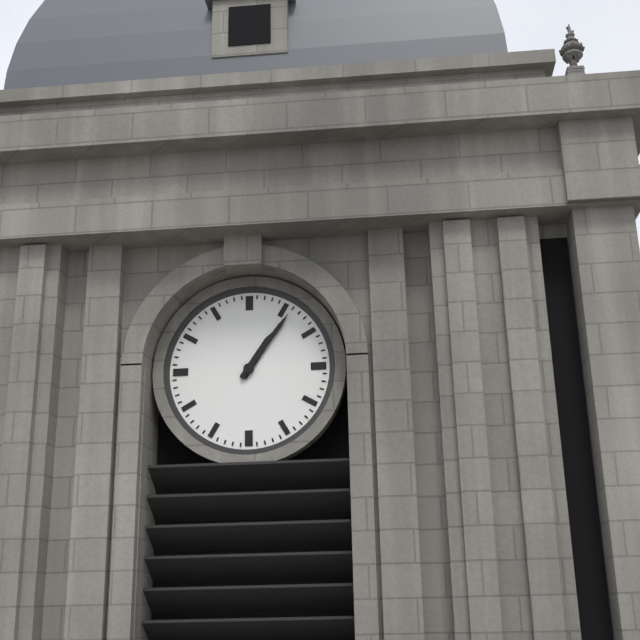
1:06
